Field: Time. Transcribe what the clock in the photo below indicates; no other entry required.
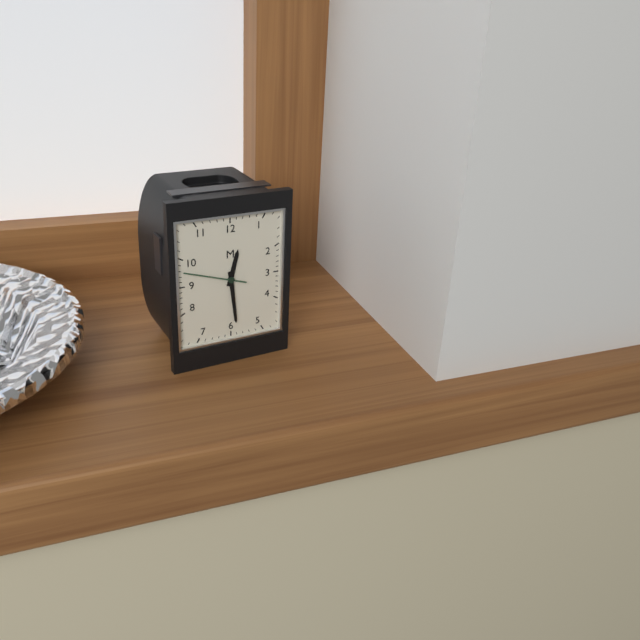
12:29:48
